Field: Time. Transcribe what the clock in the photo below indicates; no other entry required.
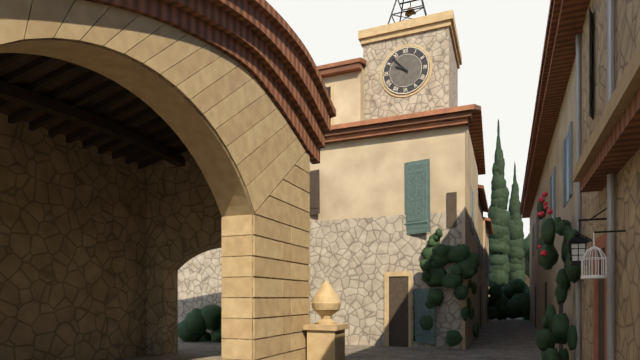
9:53
